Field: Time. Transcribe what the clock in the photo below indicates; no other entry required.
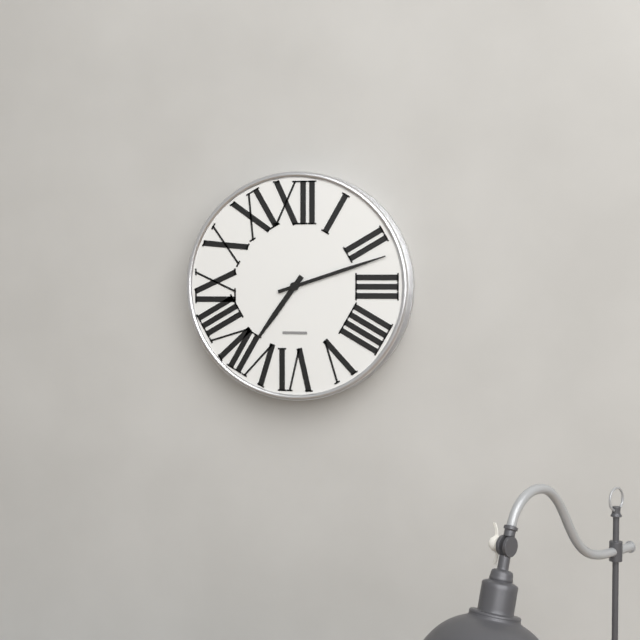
7:12
